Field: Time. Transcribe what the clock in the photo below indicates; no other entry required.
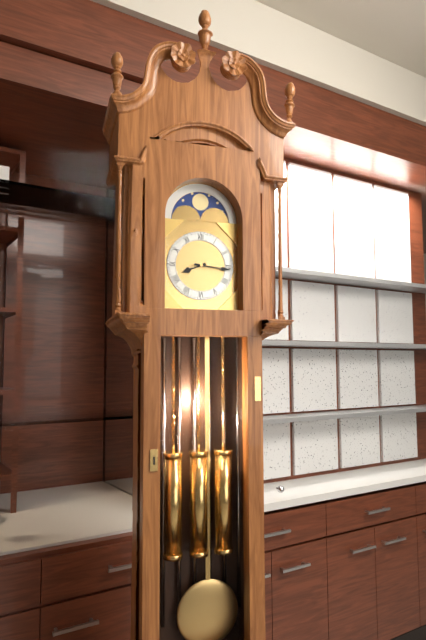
8:16
